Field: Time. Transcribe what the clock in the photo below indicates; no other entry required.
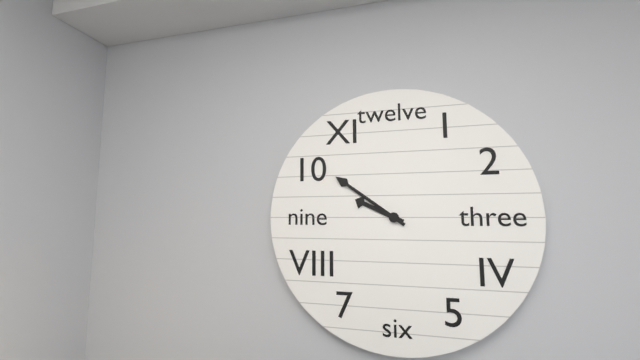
9:51
